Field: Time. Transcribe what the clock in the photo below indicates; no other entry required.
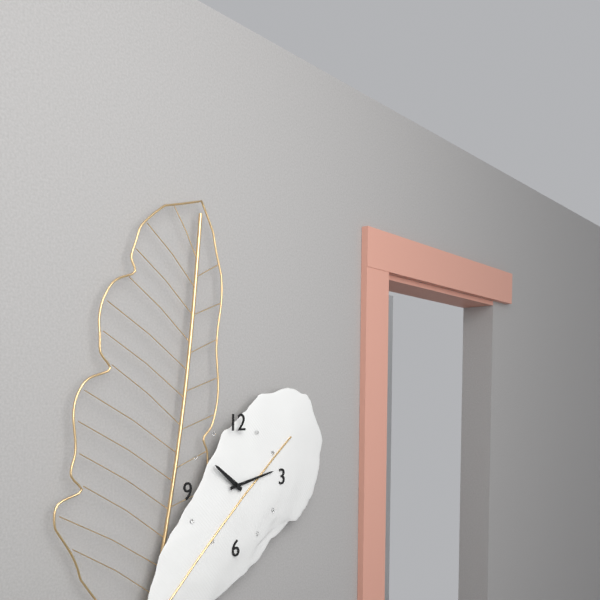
10:13
